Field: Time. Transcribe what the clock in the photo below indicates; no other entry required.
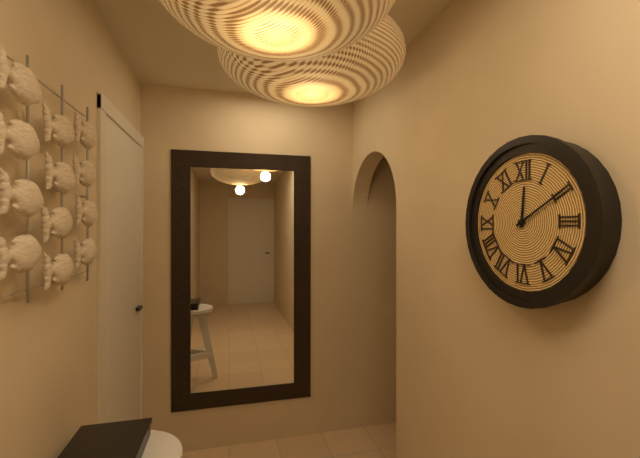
12:10
